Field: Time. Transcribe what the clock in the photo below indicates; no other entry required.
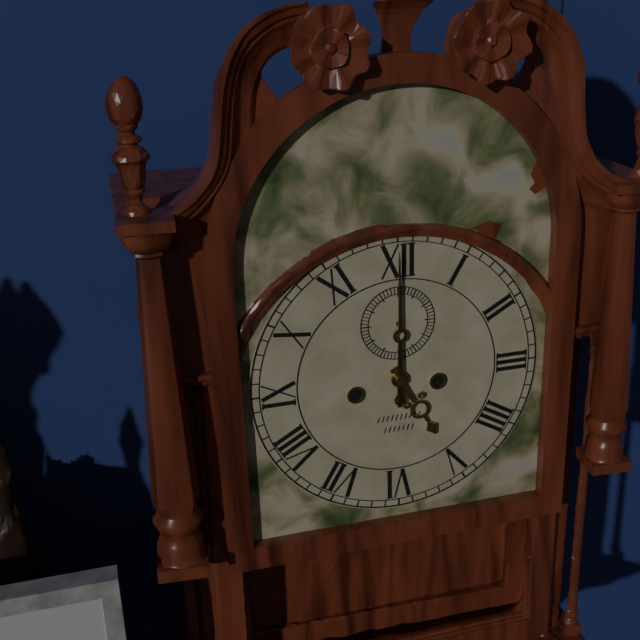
5:00
